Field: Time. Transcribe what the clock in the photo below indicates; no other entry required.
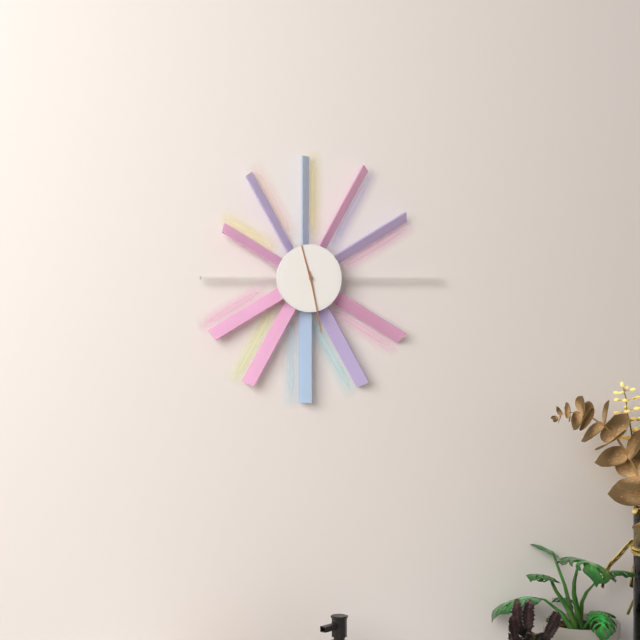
11:28
